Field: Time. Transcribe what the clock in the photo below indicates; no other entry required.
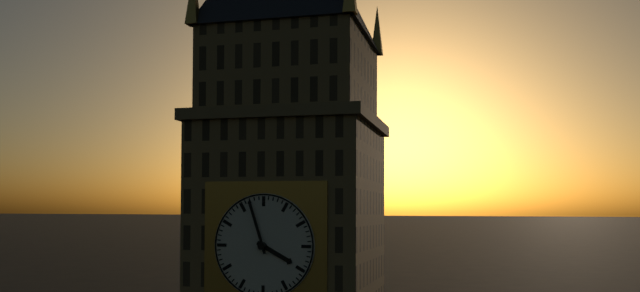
3:57
